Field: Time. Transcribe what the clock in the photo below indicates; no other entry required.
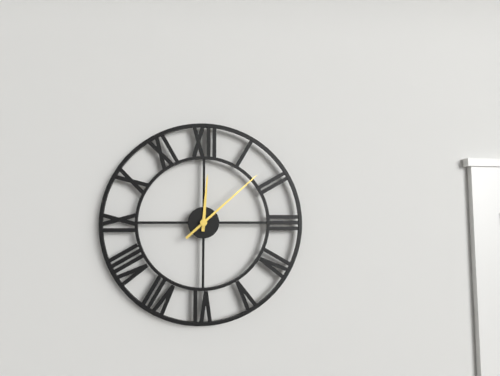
12:08
